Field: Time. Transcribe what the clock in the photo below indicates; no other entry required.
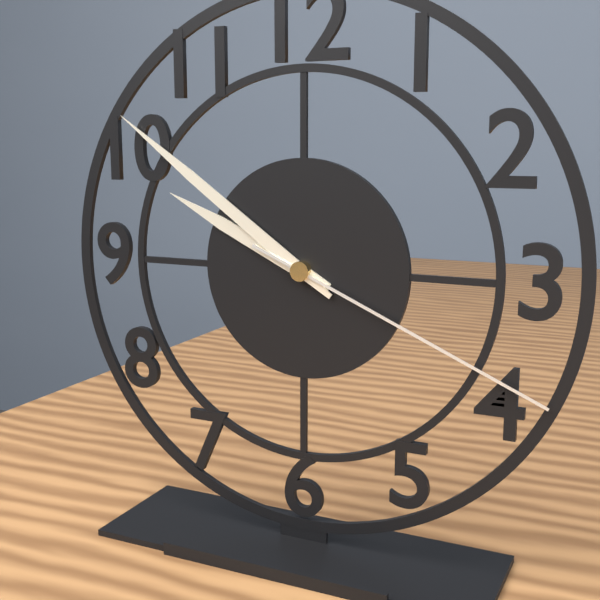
9:51:19
